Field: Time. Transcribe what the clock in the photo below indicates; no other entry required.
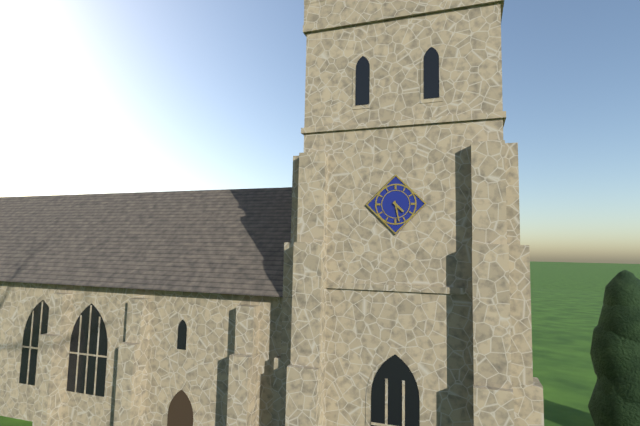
4:28
